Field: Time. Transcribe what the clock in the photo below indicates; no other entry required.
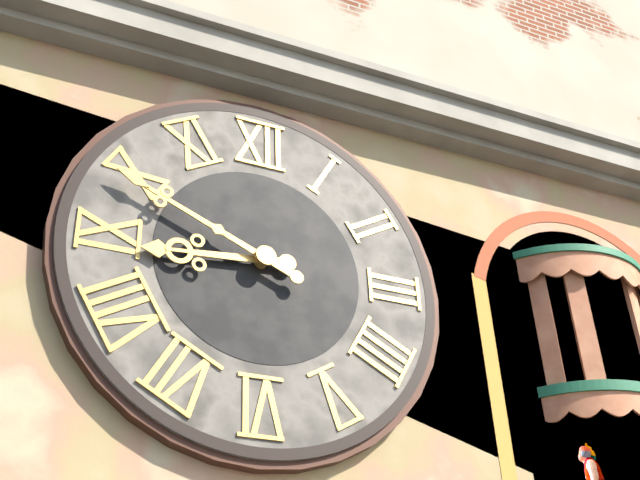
8:49
